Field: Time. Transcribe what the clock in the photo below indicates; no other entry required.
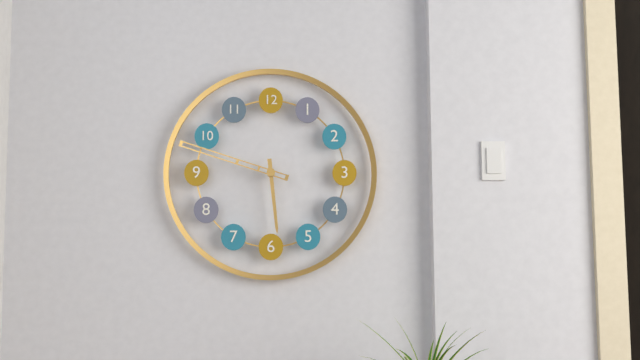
5:48
